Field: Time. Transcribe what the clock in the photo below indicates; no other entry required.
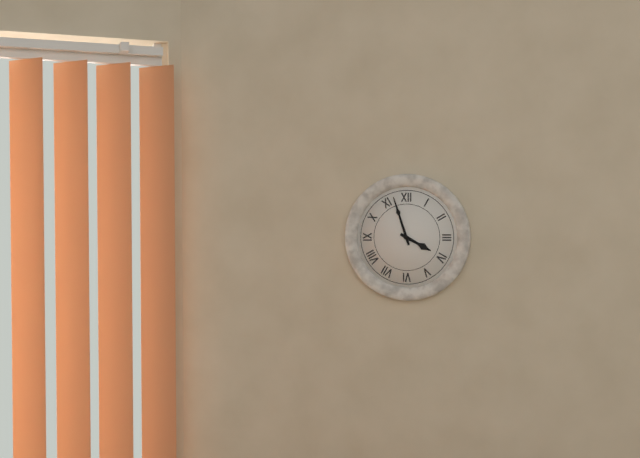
3:57
